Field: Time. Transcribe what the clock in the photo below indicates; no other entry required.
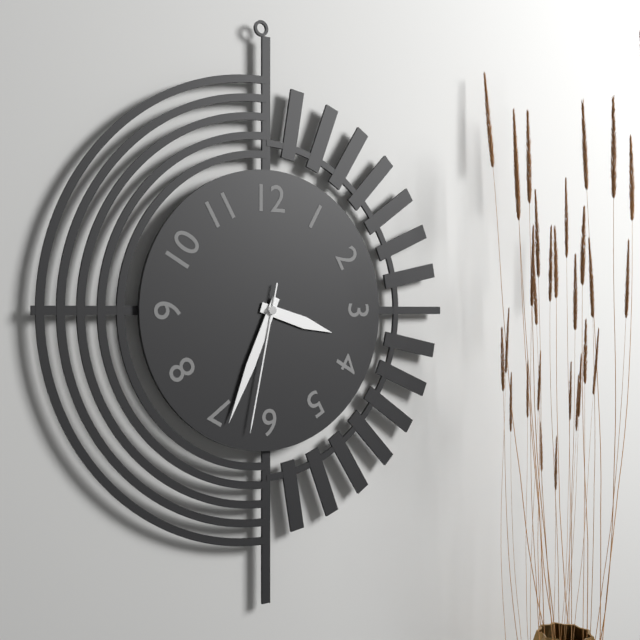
3:34:32
